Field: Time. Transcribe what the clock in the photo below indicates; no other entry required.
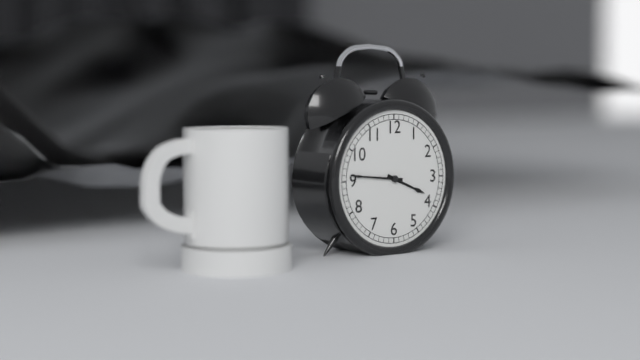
3:46
